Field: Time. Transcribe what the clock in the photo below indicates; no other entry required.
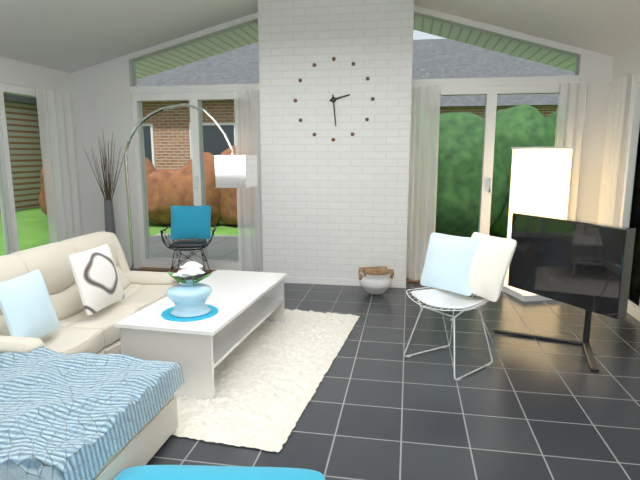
2:29
